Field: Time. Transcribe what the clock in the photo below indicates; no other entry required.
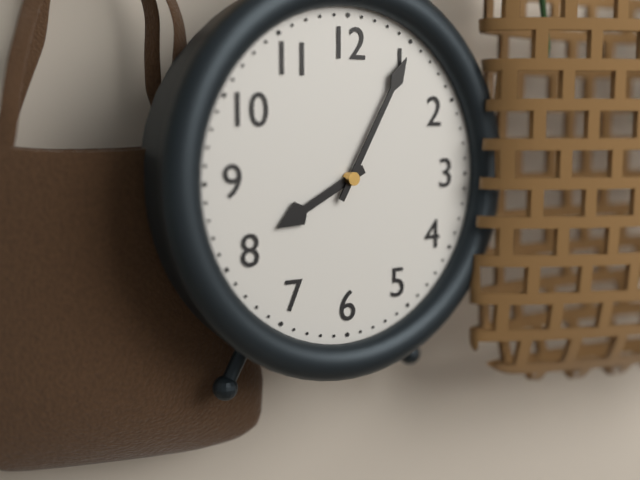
8:05
